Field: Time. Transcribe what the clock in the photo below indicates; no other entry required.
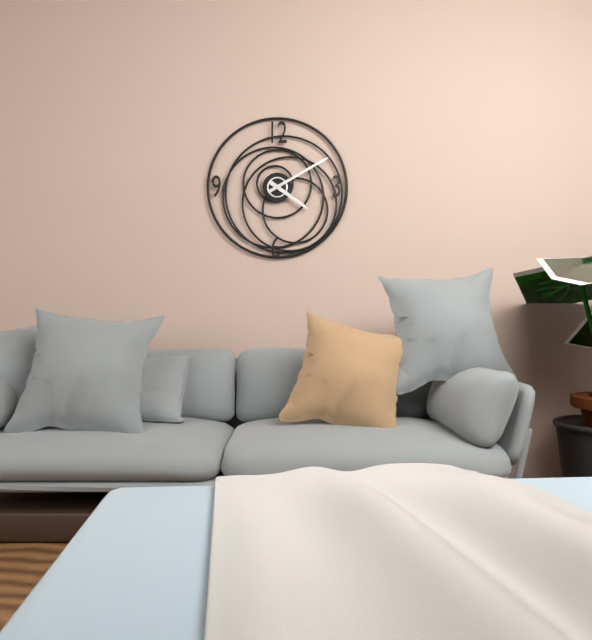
4:10
